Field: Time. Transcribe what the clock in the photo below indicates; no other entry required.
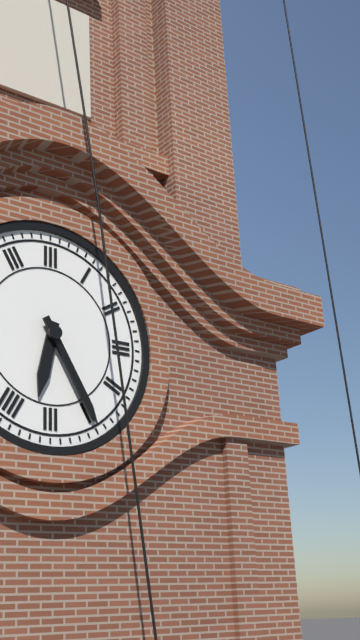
6:25
